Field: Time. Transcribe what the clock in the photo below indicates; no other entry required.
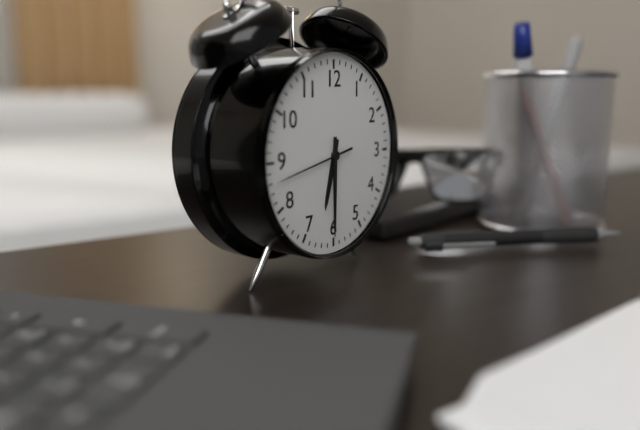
6:30:43
